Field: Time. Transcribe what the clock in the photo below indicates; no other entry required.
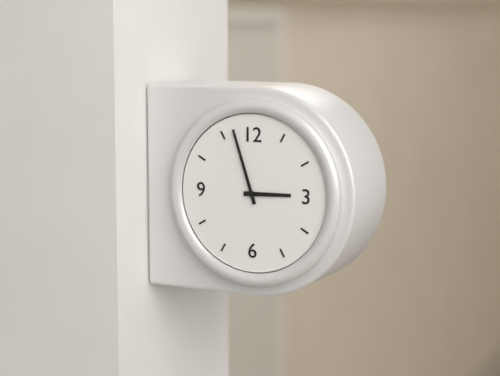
2:57
